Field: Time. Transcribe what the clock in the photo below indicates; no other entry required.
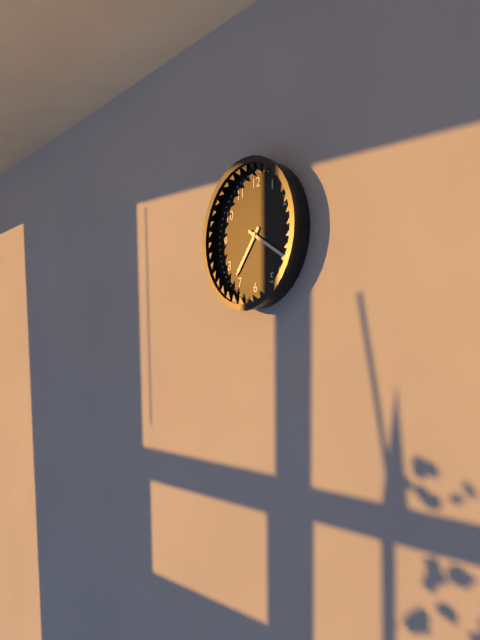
7:20
